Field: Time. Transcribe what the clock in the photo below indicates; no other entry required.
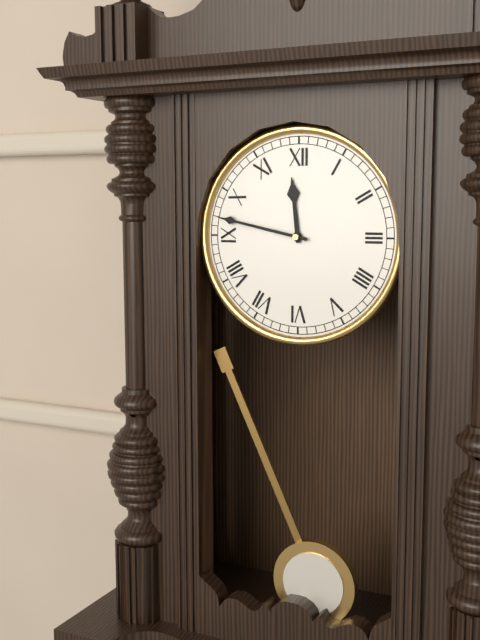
11:47
